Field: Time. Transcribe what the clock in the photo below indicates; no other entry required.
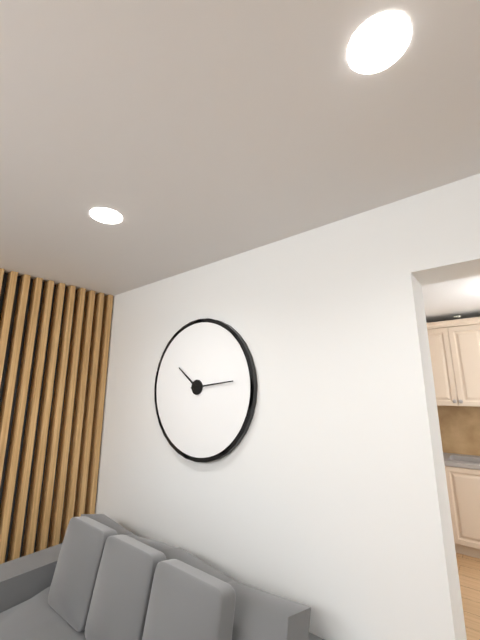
10:14
